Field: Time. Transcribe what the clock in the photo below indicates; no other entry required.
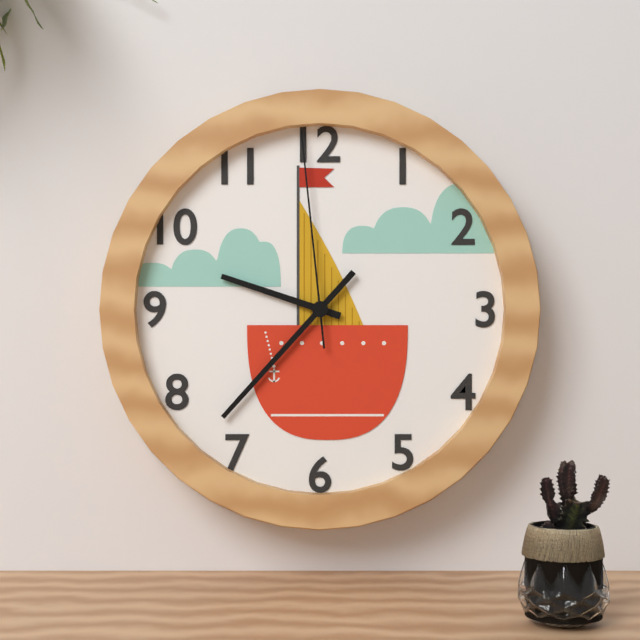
9:37:59
